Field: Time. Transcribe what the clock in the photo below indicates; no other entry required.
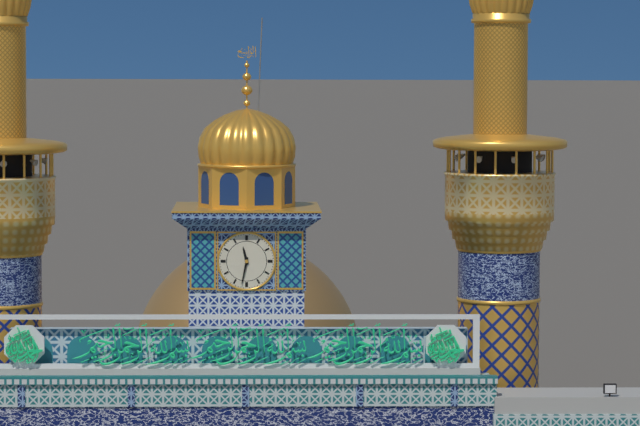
11:32
